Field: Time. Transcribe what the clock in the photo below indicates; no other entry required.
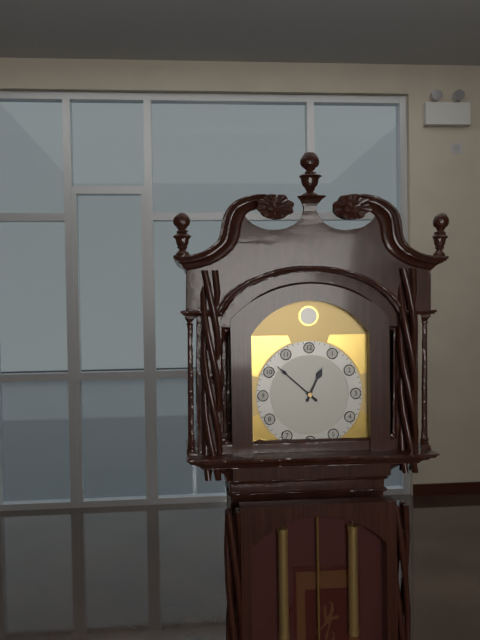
12:52
